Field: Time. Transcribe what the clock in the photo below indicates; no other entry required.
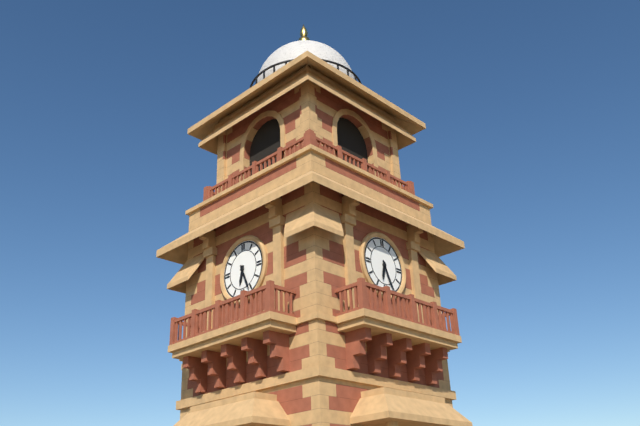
6:26
